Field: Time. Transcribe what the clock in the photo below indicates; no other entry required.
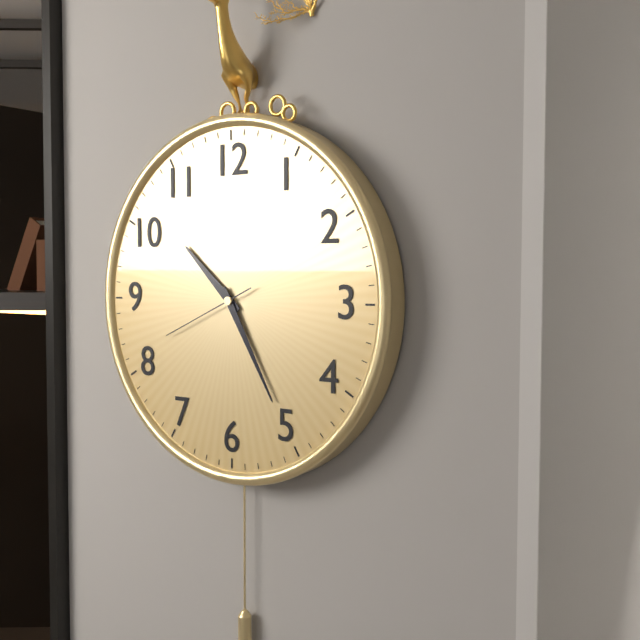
10:25:41
